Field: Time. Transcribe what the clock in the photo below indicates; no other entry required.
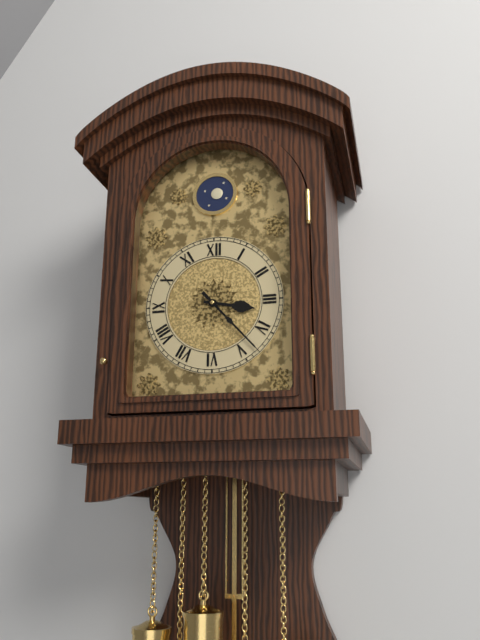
3:23
